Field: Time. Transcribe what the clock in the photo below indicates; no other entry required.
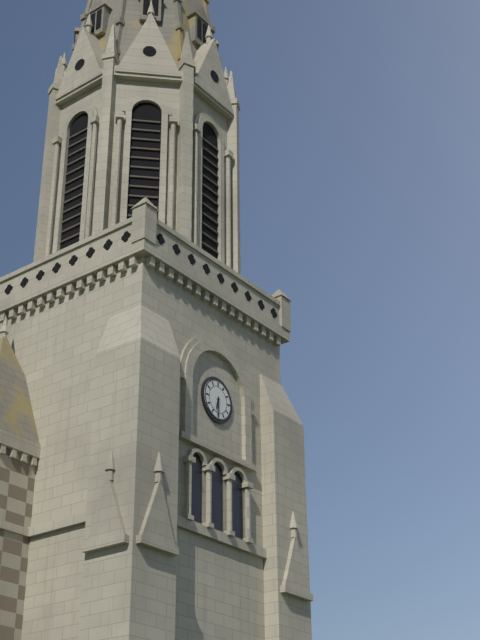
6:30
